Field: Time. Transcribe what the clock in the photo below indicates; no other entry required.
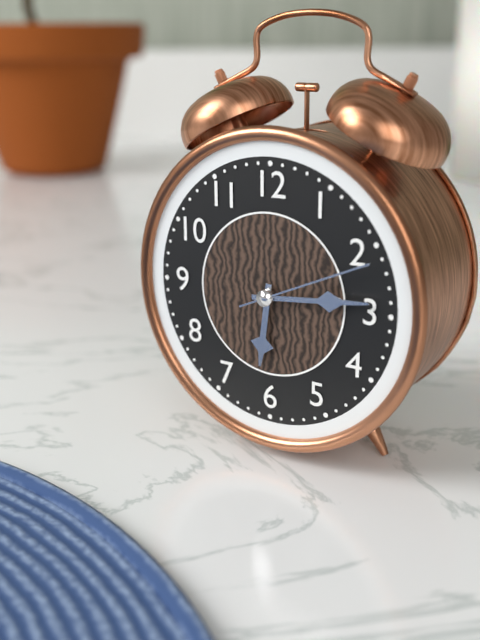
6:14:11
